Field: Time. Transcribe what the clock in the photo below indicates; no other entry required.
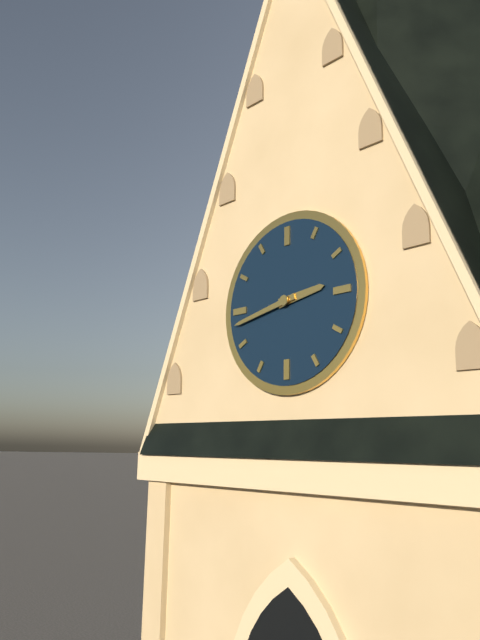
2:43
